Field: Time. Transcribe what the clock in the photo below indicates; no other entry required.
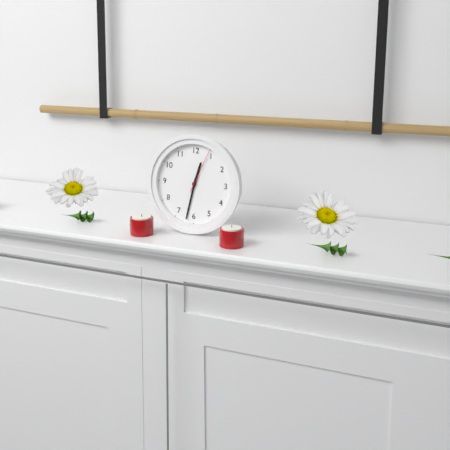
12:32
